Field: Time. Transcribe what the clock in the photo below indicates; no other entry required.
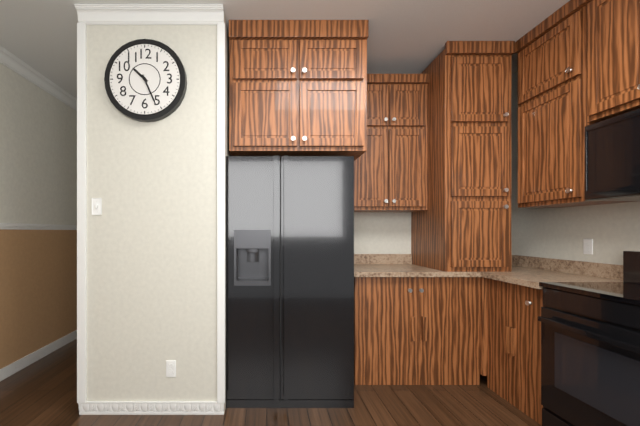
10:26
